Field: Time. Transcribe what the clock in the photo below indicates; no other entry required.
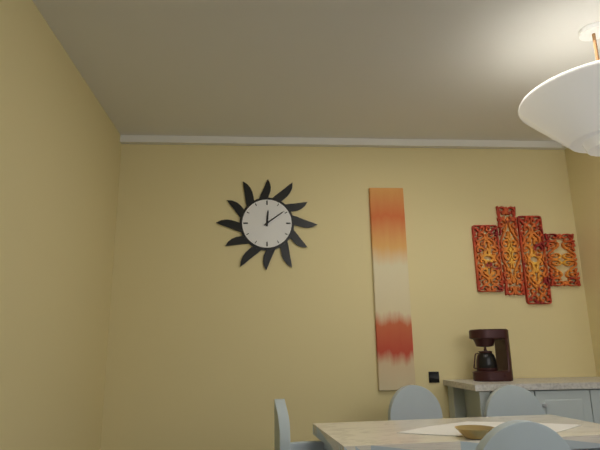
12:09
